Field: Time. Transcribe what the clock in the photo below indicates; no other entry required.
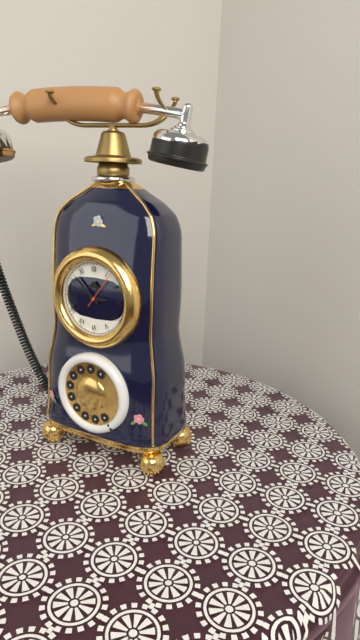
2:52
